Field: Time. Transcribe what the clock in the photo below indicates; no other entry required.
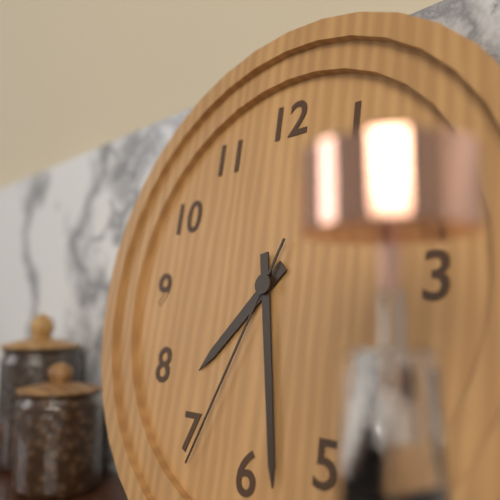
7:28:34
